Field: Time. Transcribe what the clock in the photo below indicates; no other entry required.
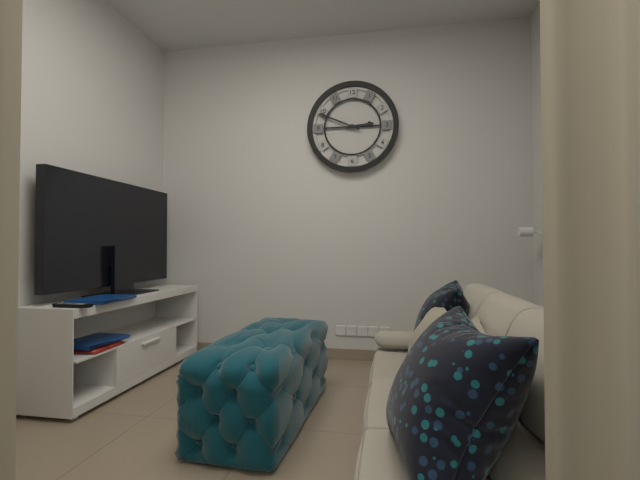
2:49
